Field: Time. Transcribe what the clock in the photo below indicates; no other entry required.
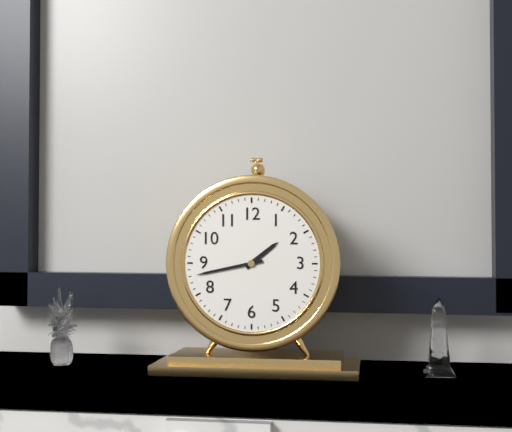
1:43
